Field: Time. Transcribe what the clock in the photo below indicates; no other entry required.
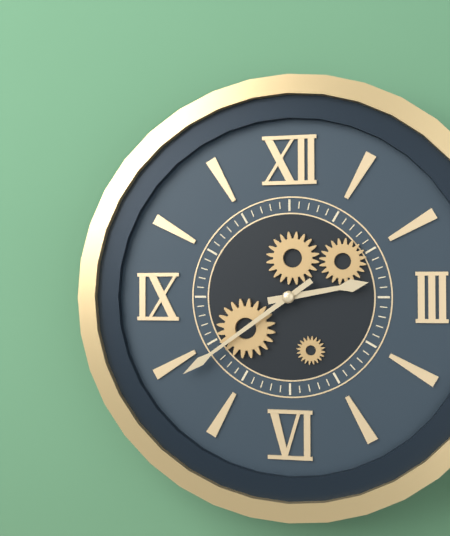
2:39
